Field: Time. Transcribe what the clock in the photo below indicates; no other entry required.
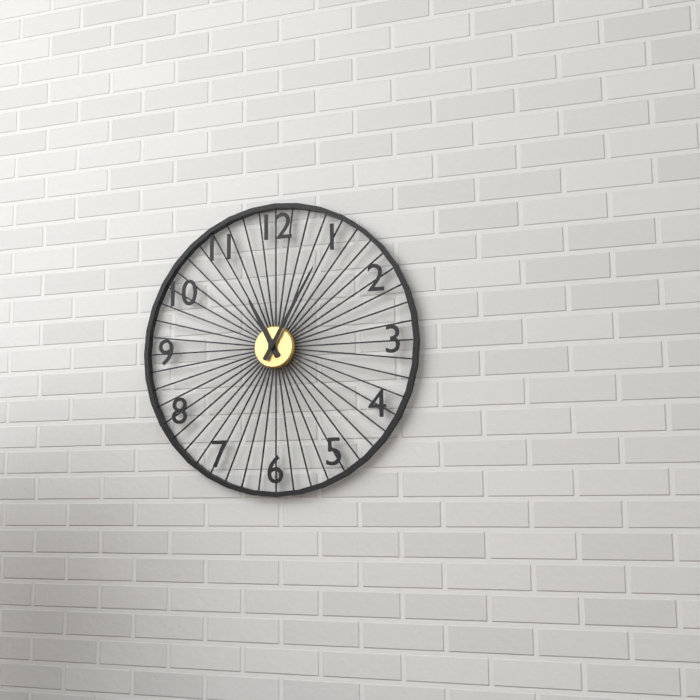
11:05
